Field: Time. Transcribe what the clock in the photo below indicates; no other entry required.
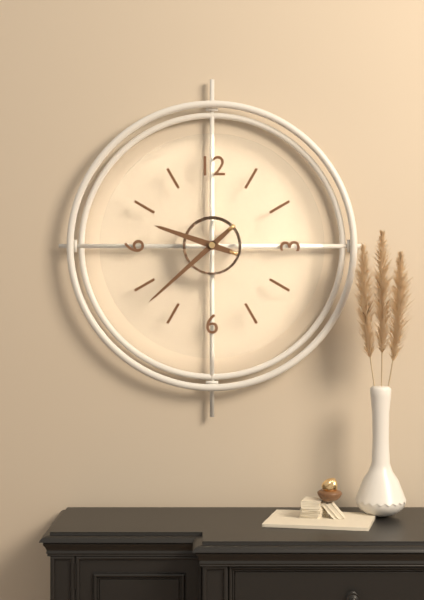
9:38
